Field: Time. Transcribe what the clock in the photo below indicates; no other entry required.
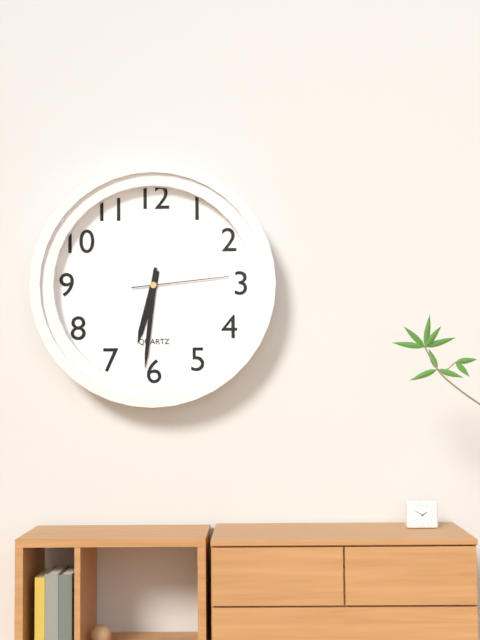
6:31:14
